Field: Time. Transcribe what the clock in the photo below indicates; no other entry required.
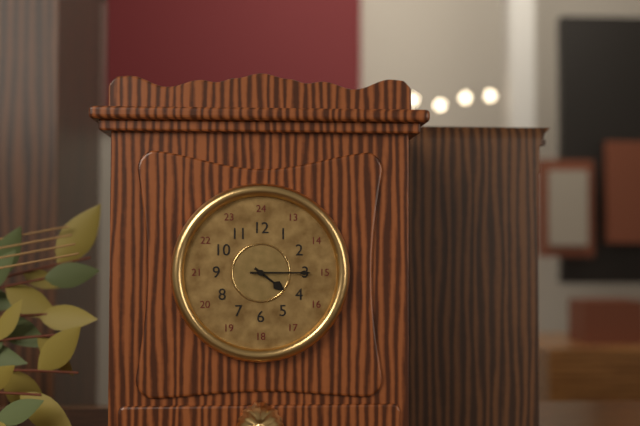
4:15
